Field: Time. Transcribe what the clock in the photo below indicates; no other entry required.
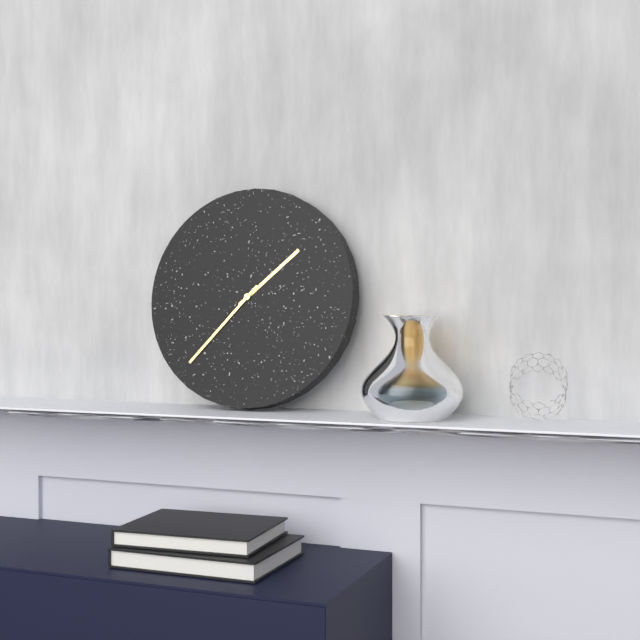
1:37
